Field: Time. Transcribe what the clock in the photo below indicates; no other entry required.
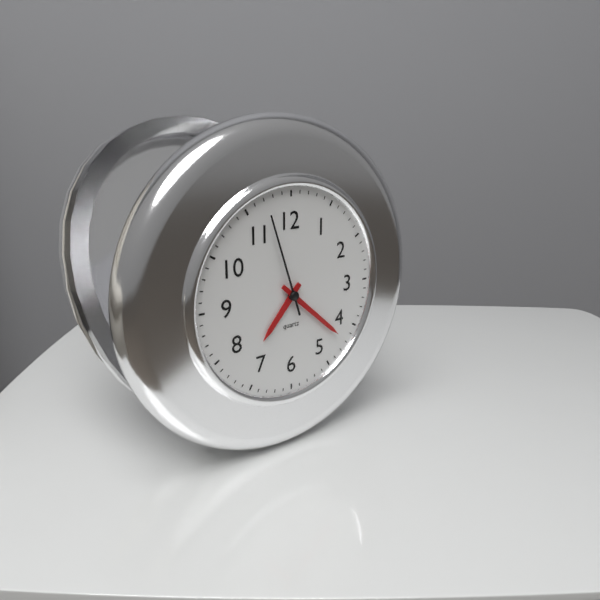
7:22:57
